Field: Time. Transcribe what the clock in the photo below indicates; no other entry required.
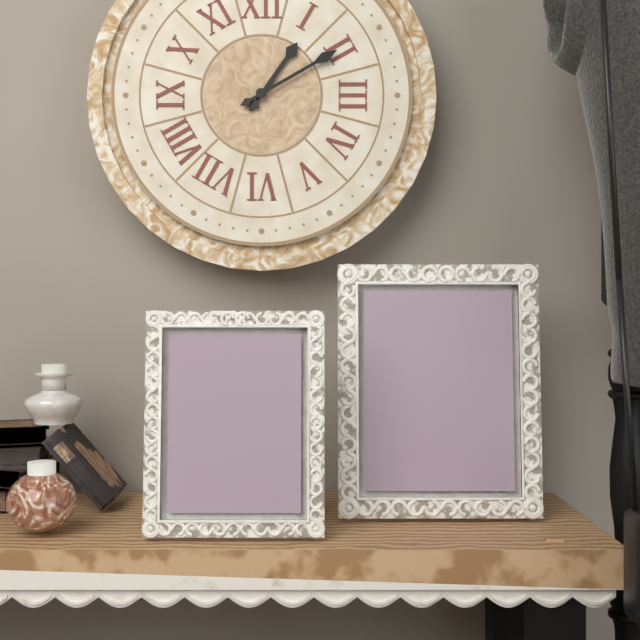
1:10
